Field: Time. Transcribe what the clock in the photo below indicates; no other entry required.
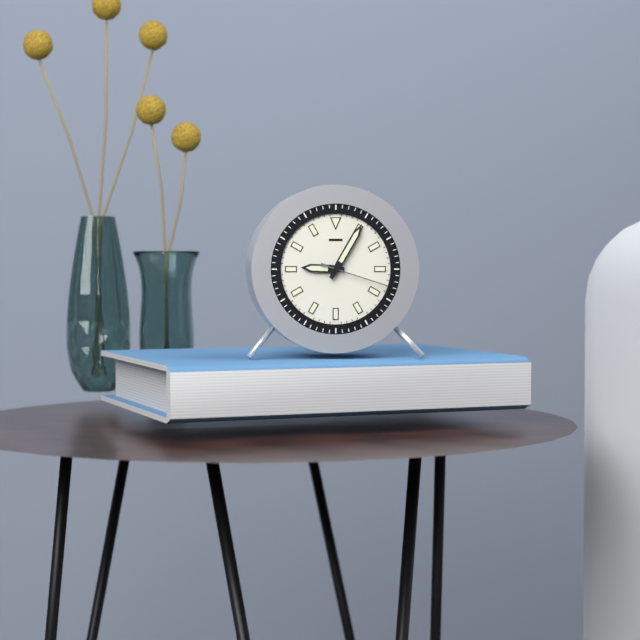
9:05:18
